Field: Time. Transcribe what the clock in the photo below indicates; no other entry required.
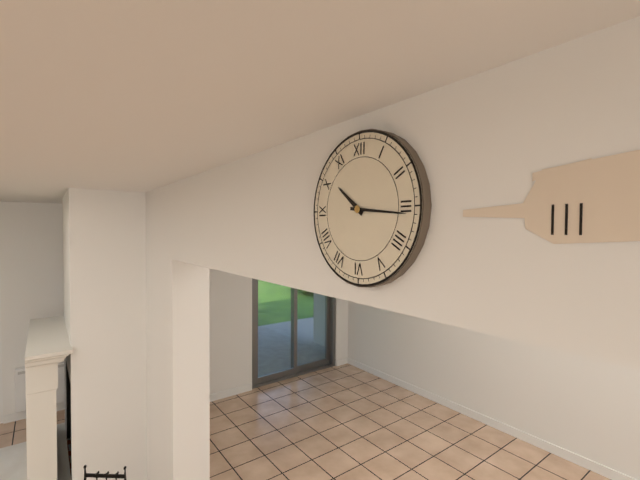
10:16
